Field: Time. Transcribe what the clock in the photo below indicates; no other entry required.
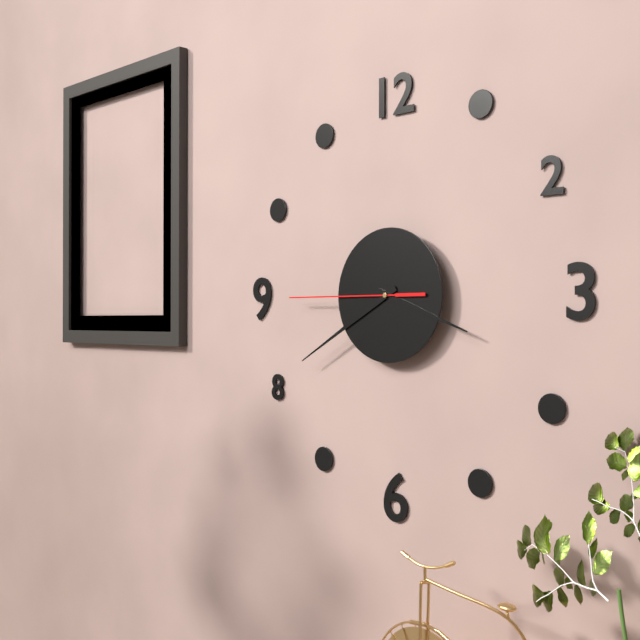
3:40:45
